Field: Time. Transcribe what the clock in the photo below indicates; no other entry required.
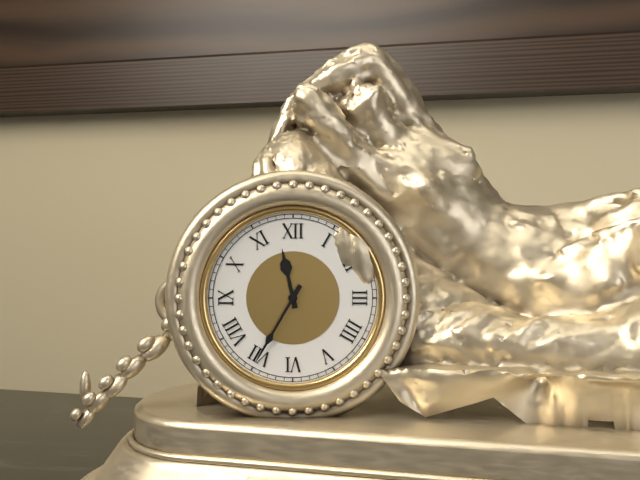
11:35
